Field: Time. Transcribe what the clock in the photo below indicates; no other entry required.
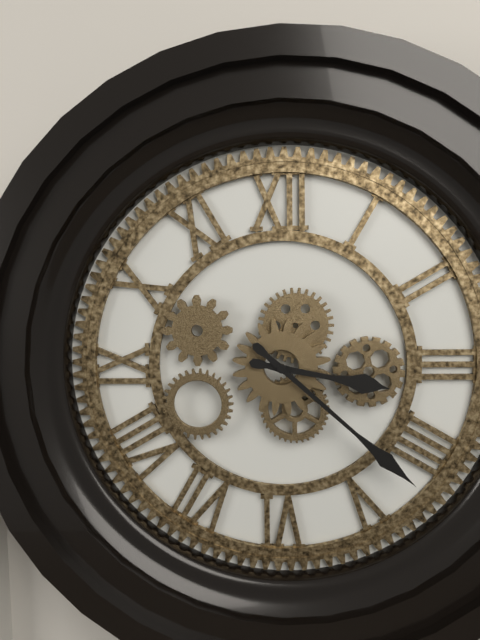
3:22
